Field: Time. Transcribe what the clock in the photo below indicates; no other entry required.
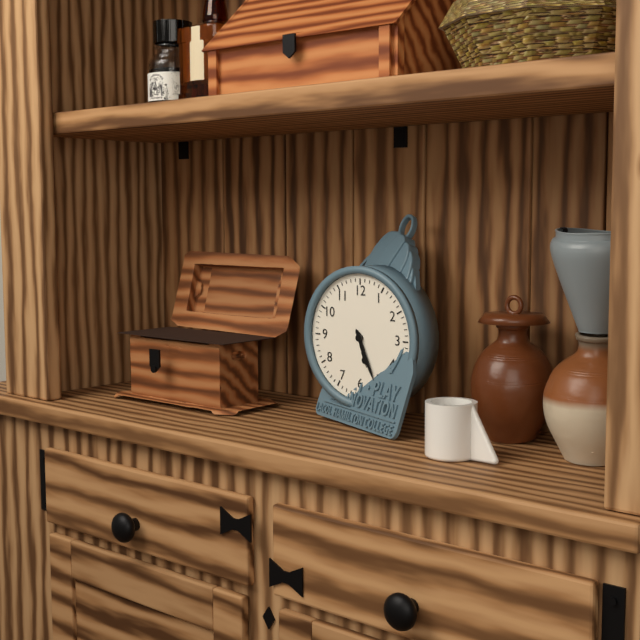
5:26
